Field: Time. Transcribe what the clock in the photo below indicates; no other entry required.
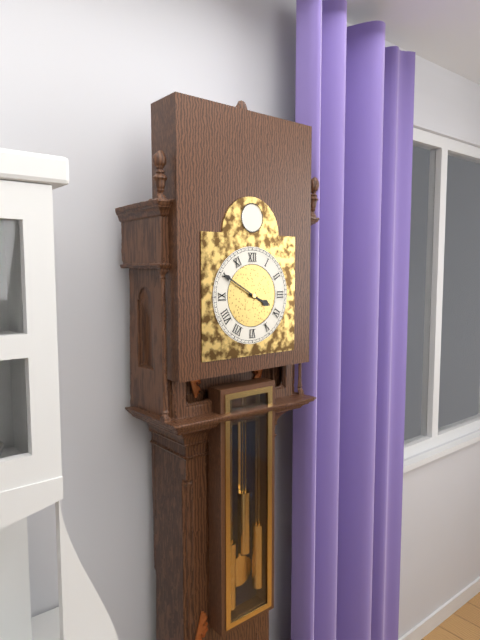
3:50
